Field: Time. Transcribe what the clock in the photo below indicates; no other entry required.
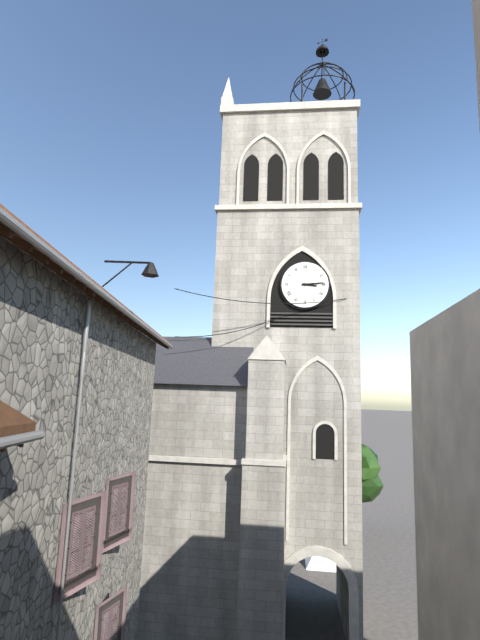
3:14
